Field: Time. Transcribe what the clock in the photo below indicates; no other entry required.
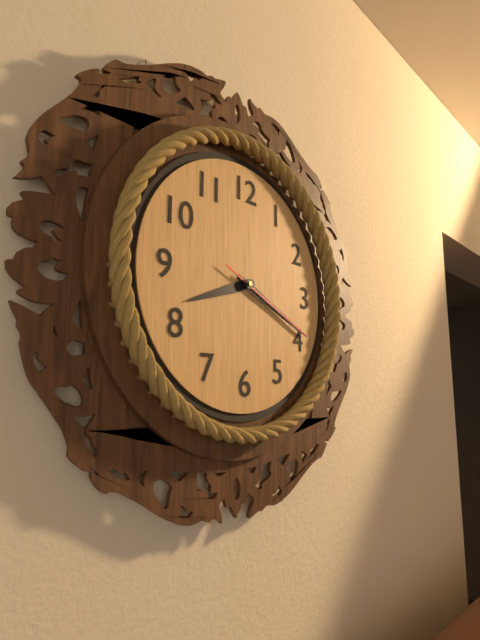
8:19:19
